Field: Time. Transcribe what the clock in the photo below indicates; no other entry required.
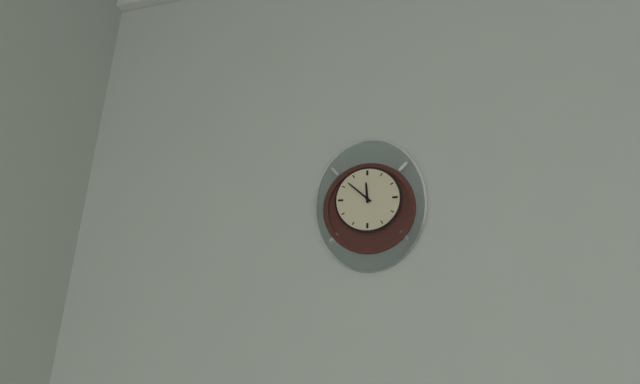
11:52
